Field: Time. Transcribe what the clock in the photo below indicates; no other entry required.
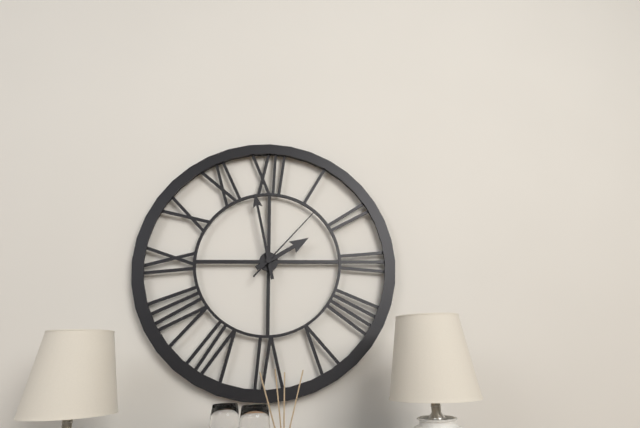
1:58:07
